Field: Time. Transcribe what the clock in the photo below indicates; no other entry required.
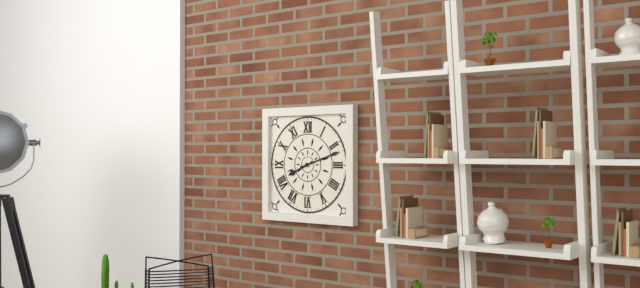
8:12
